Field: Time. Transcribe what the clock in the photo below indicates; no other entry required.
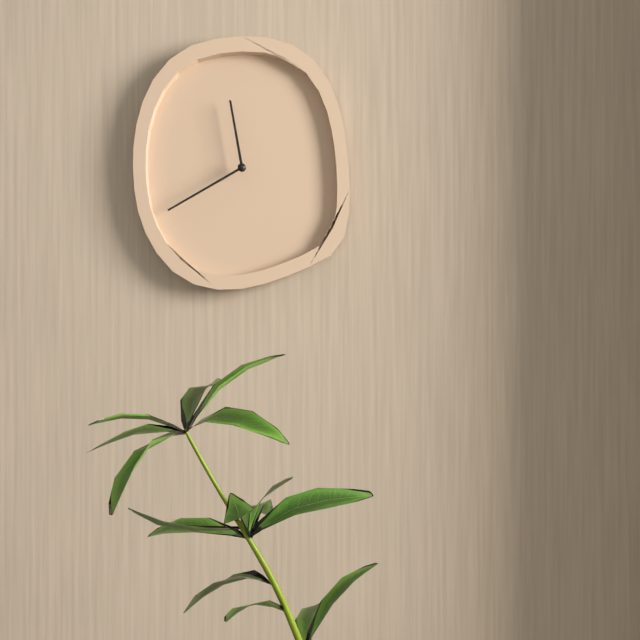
11:40
